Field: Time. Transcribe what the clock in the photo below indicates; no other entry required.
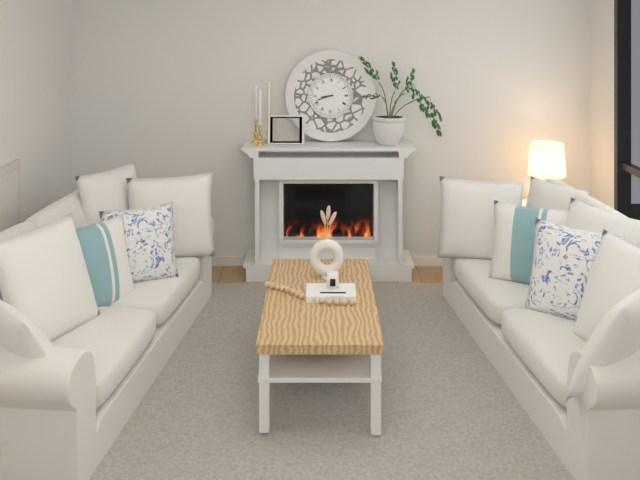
8:42
